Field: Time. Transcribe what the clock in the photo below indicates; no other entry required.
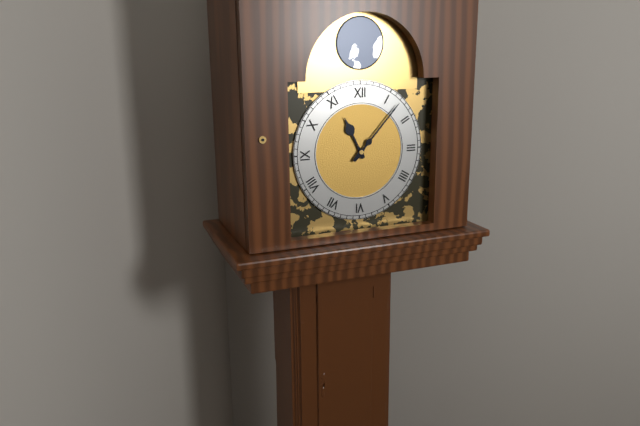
11:07
